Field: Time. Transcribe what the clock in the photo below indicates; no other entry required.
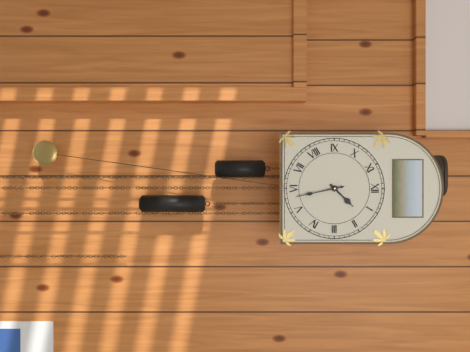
1:28
